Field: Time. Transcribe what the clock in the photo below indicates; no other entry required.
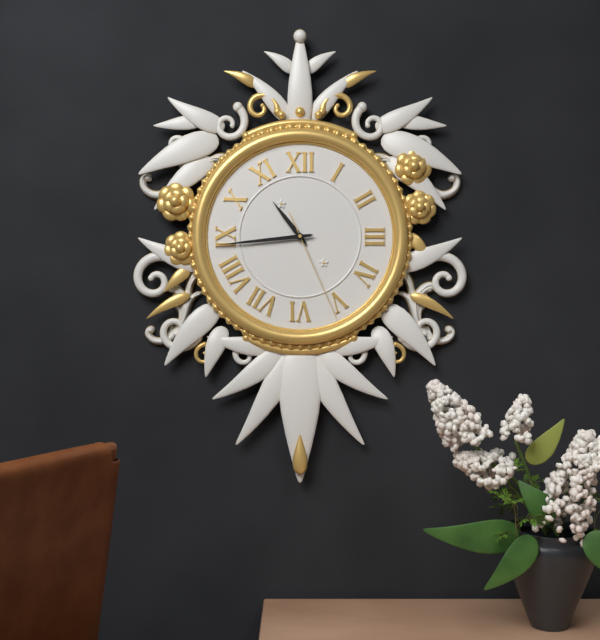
10:44:26
